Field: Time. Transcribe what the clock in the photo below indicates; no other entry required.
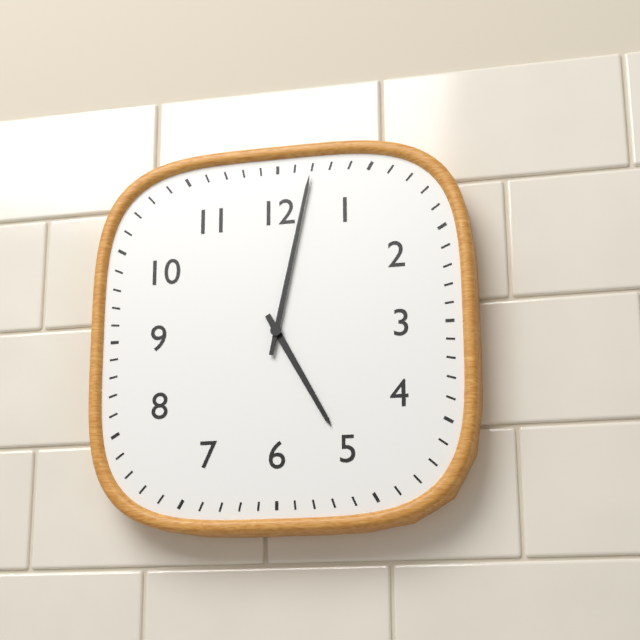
5:02
